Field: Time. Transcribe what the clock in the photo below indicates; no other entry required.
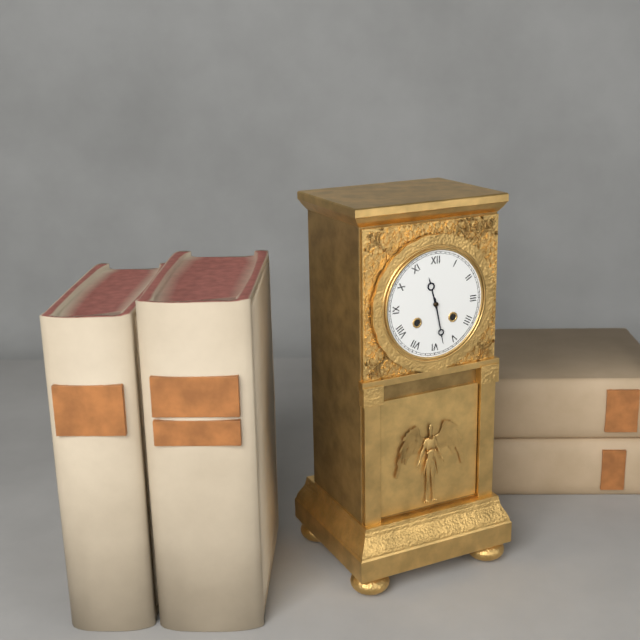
11:28
